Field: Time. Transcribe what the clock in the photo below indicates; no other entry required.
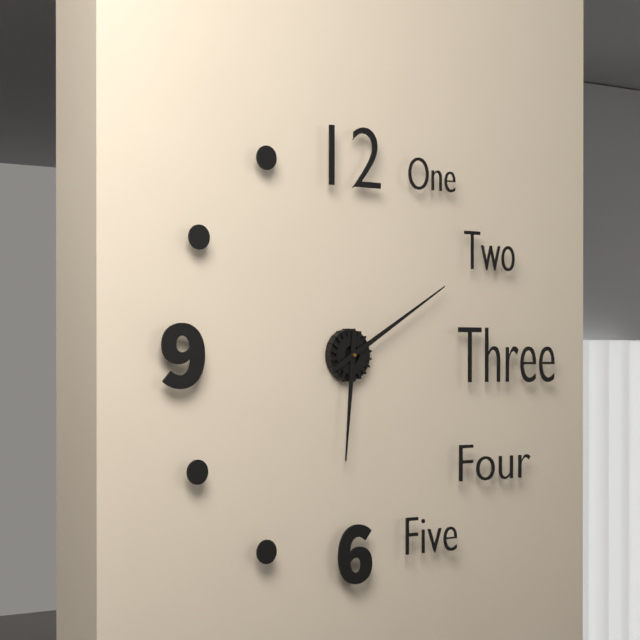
6:10
